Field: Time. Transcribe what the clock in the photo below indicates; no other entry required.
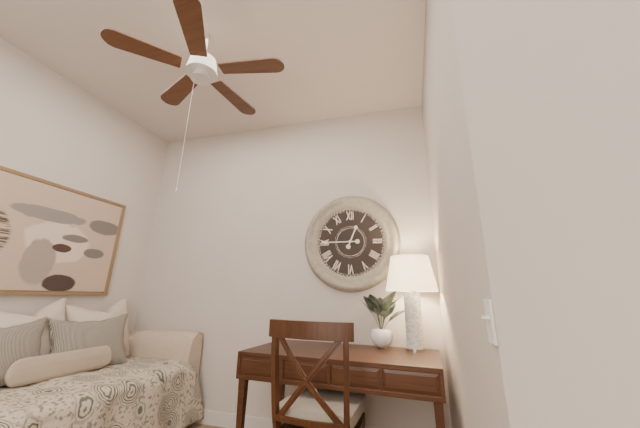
12:45
